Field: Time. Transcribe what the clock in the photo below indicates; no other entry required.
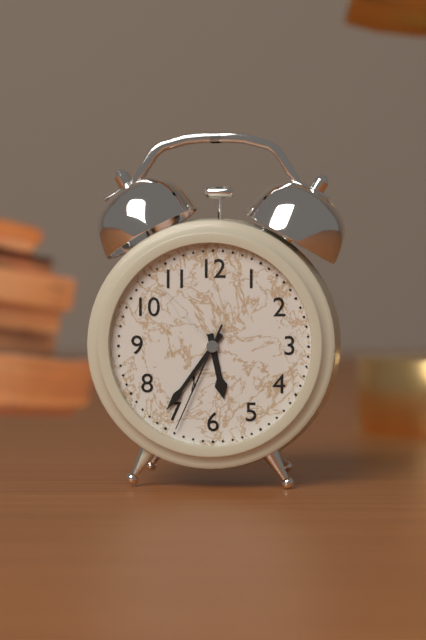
5:36:34
